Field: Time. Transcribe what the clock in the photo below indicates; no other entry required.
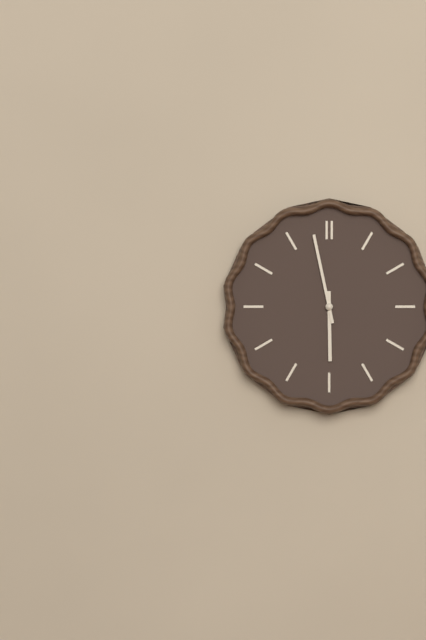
5:58
